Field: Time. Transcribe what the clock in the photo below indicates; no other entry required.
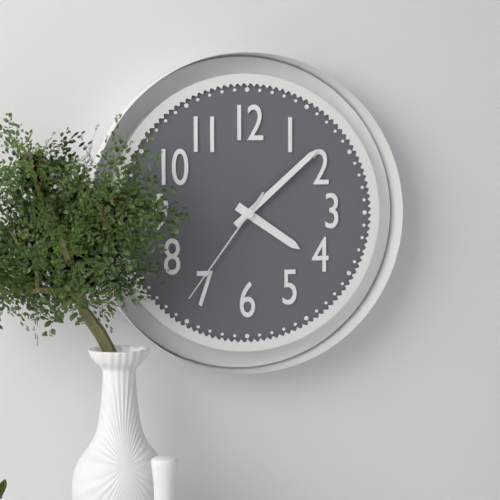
4:08:36
